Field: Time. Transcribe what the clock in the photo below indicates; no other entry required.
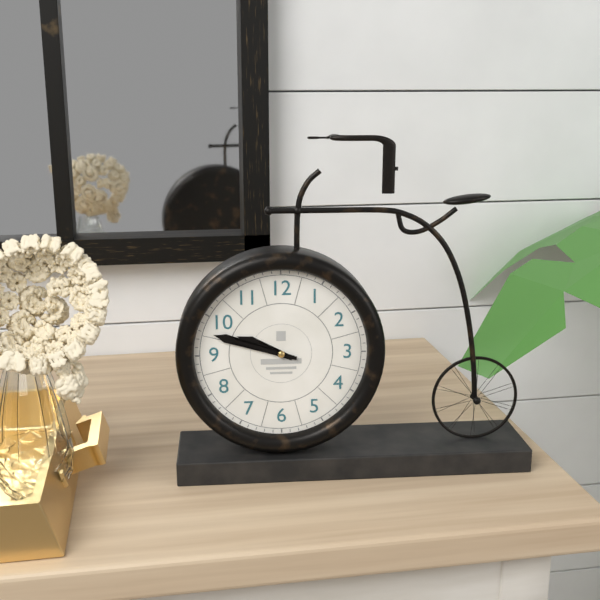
9:48
